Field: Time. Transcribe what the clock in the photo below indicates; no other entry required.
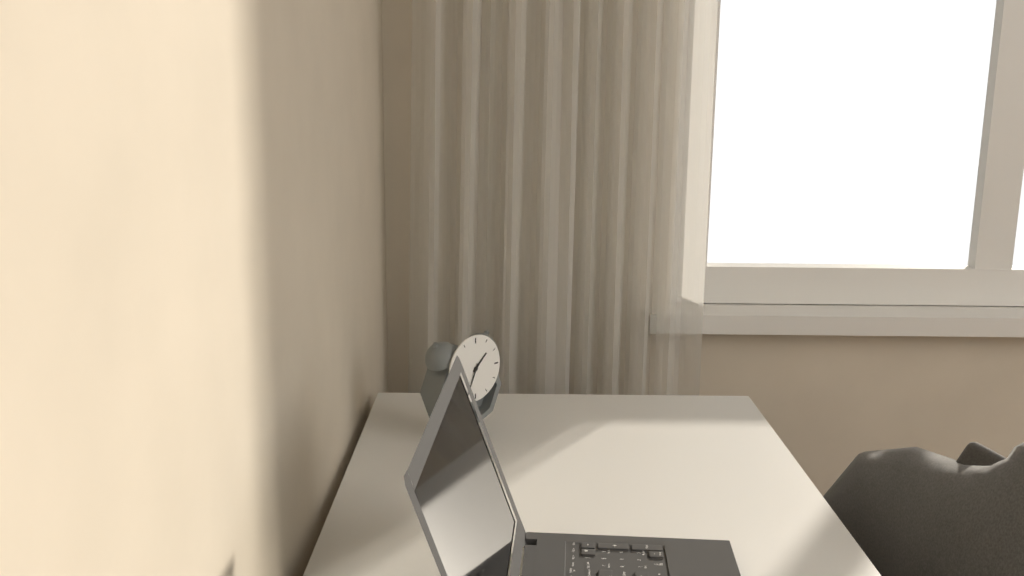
1:34
